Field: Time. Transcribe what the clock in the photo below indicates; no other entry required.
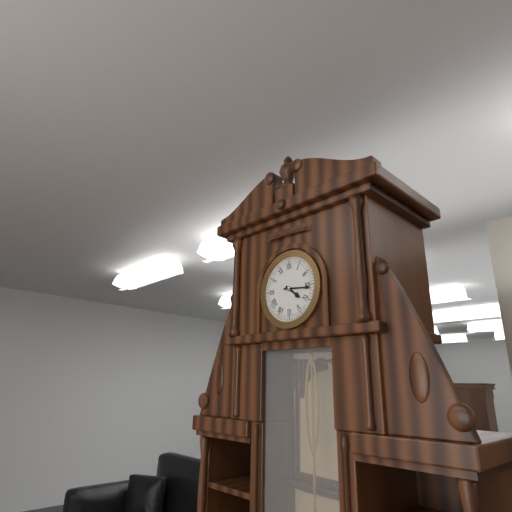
4:16
